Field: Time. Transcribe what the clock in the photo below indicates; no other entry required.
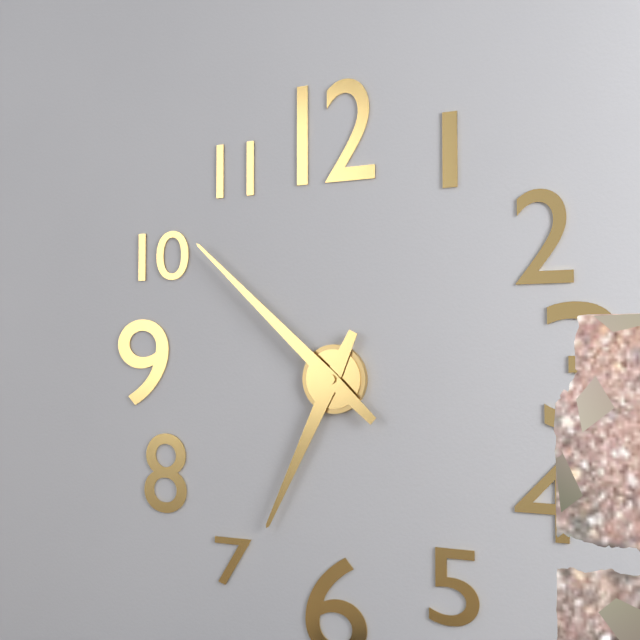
6:52
